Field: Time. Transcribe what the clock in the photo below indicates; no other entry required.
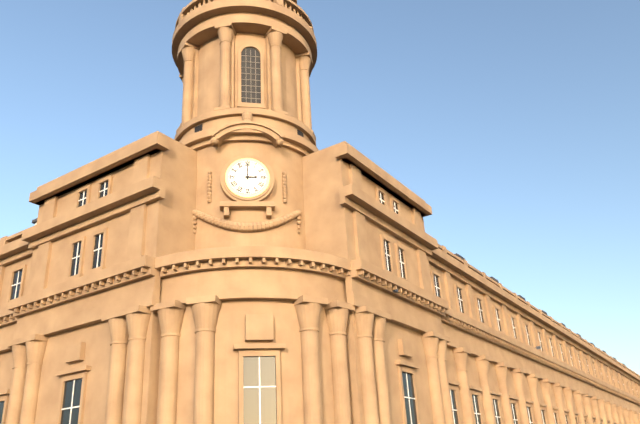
3:00
